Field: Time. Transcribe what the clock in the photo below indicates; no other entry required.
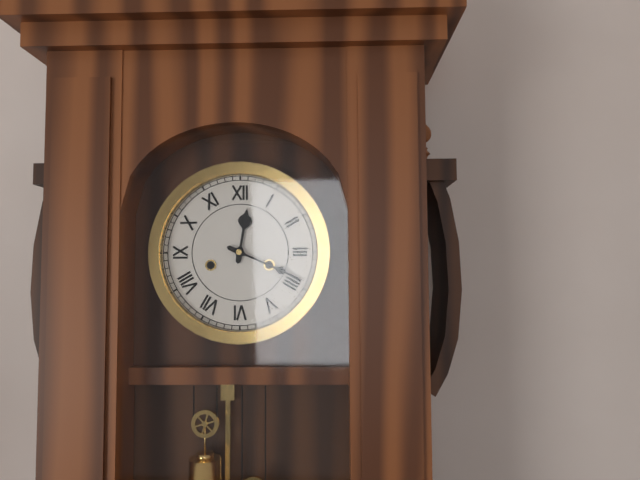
12:19
